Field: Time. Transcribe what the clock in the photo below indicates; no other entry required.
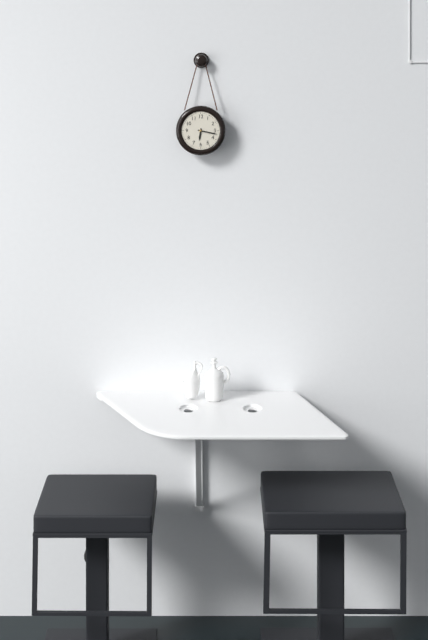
6:17
